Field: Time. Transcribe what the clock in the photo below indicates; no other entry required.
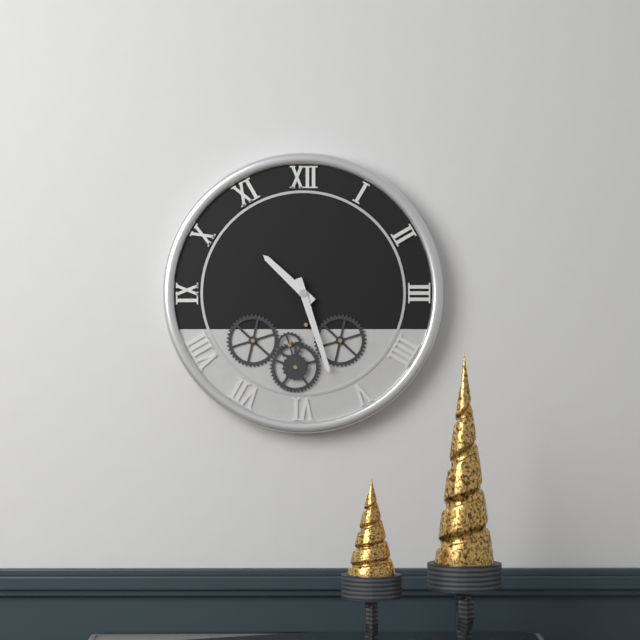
10:27
